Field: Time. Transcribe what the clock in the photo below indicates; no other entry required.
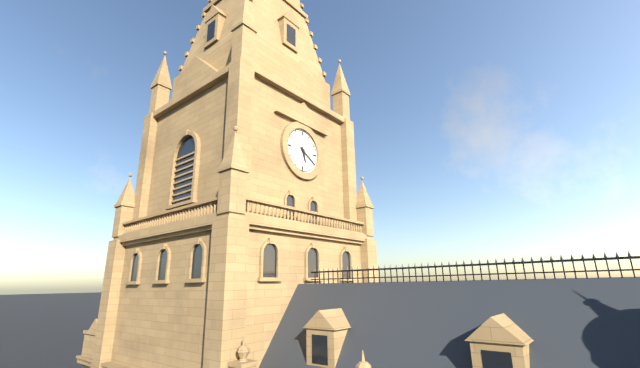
5:20
